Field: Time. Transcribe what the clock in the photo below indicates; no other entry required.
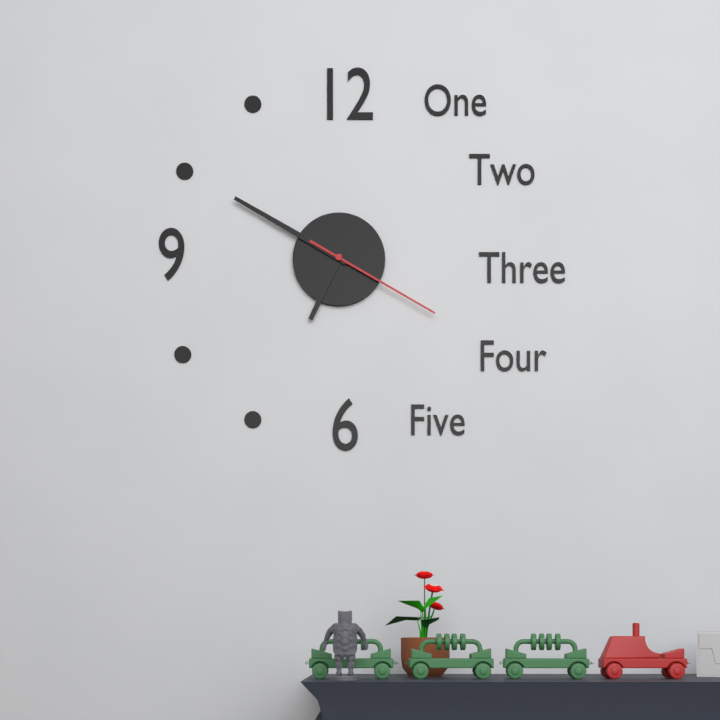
6:50:20
